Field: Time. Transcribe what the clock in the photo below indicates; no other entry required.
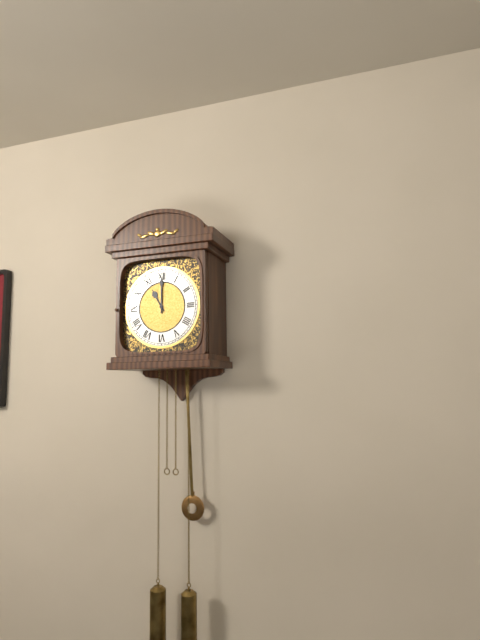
11:00
